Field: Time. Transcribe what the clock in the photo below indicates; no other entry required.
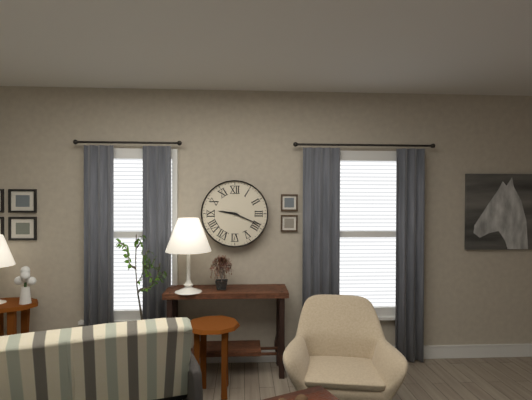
9:19
